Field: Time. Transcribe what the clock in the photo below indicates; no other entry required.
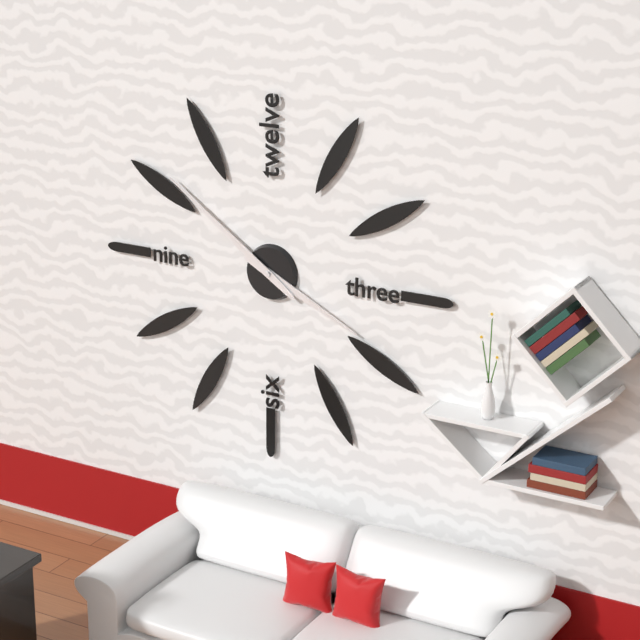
3:51
